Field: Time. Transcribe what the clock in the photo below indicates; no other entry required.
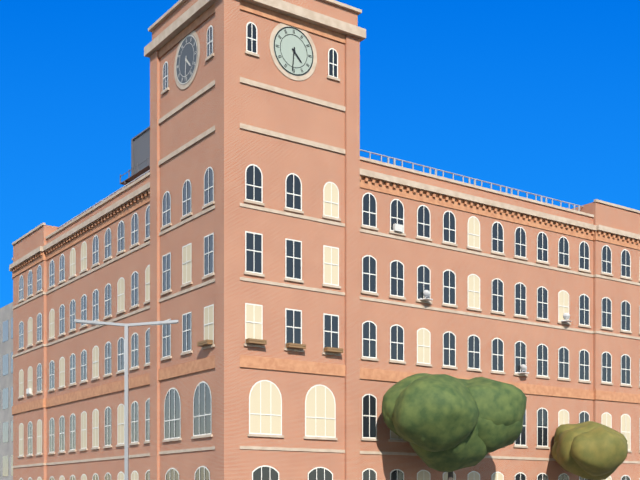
4:31
